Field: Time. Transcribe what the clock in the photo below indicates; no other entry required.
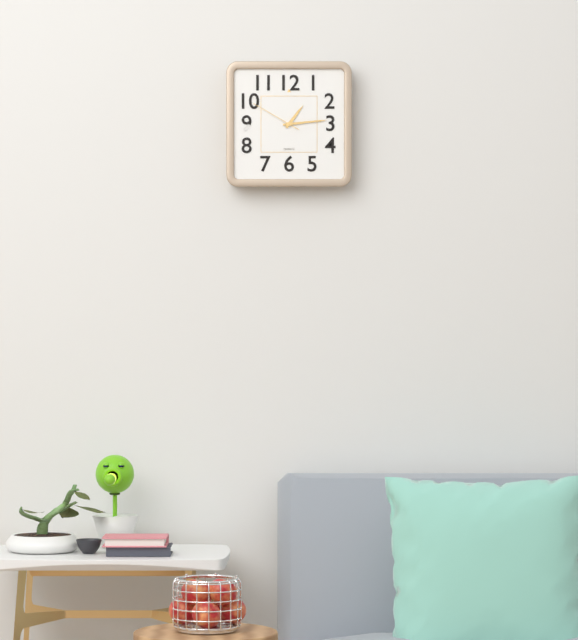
1:14:50
